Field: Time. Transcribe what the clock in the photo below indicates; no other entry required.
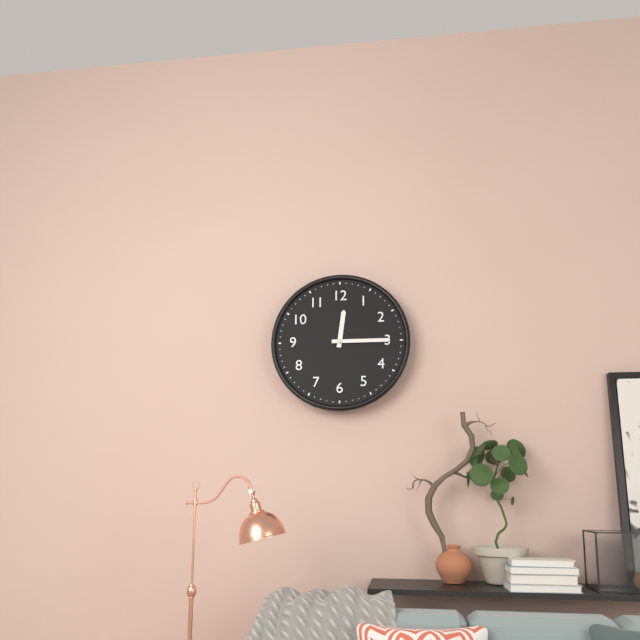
12:15
